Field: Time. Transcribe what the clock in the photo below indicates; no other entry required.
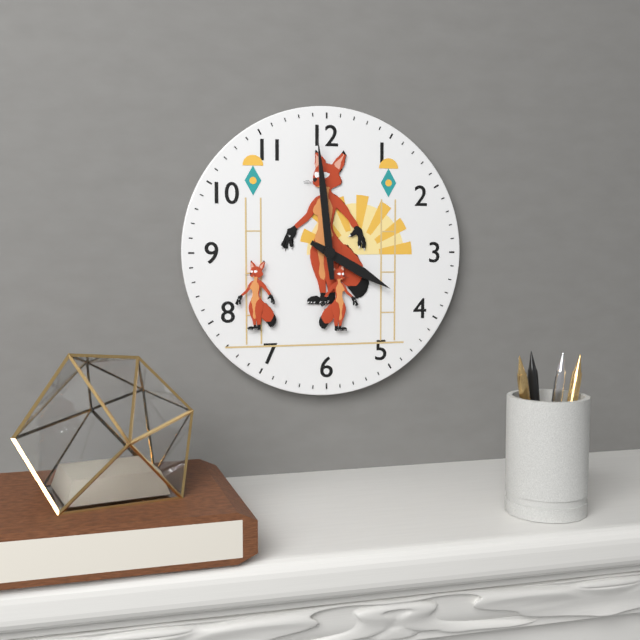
3:59
